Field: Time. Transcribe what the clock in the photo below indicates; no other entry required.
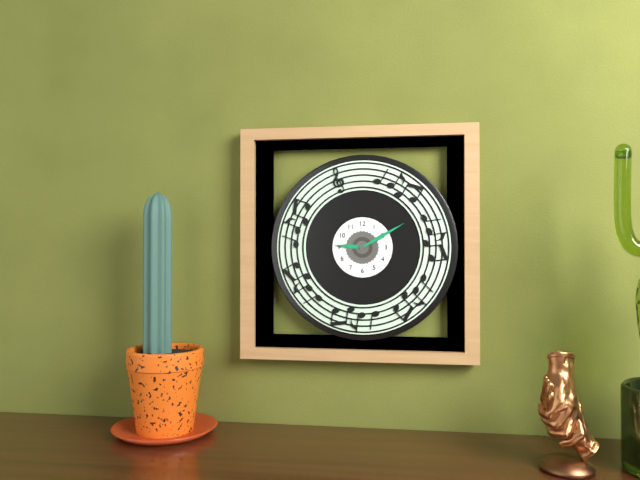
9:10
